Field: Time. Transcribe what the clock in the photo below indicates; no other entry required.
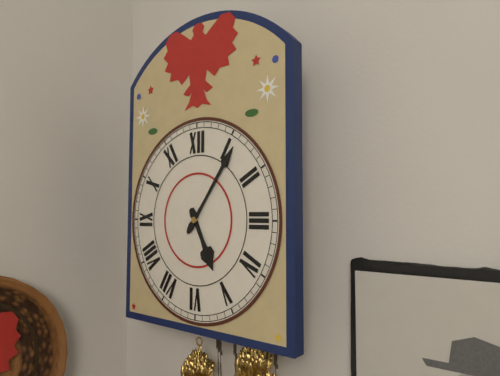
5:06
